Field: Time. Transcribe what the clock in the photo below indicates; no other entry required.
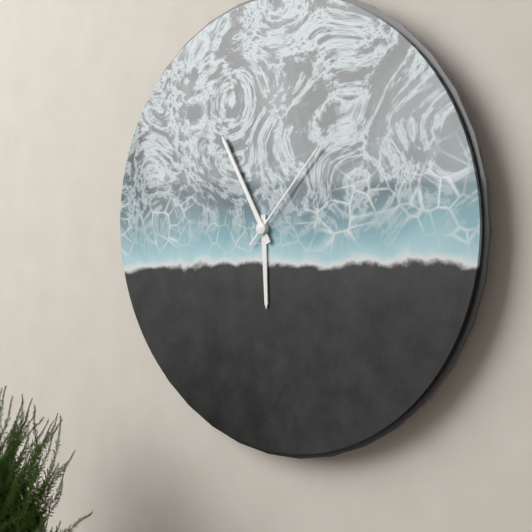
5:55:07
